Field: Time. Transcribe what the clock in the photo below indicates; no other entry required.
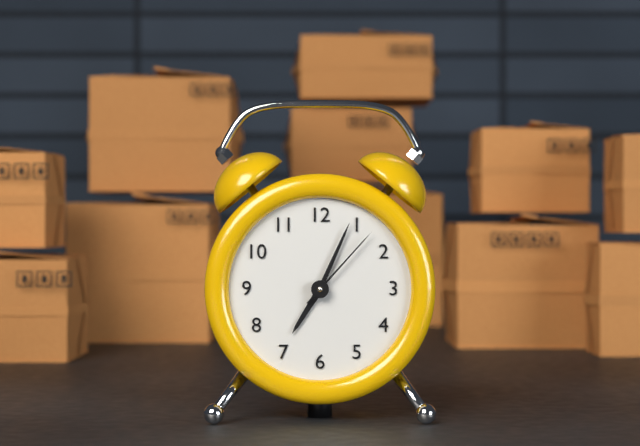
7:04:07
